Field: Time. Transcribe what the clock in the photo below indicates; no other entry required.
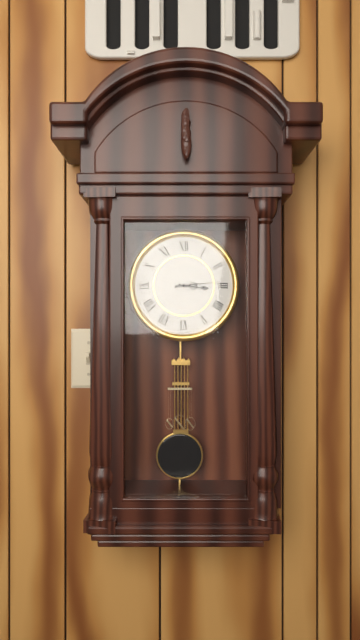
3:14
